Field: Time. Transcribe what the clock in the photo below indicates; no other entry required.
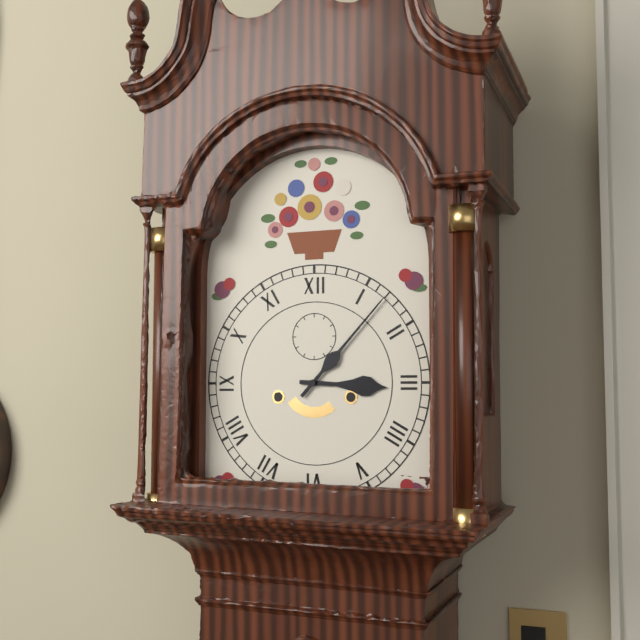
3:07
